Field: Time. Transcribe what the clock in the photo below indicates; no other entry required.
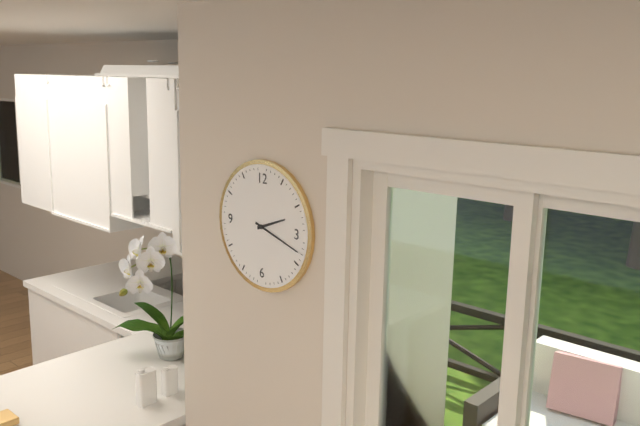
2:18
